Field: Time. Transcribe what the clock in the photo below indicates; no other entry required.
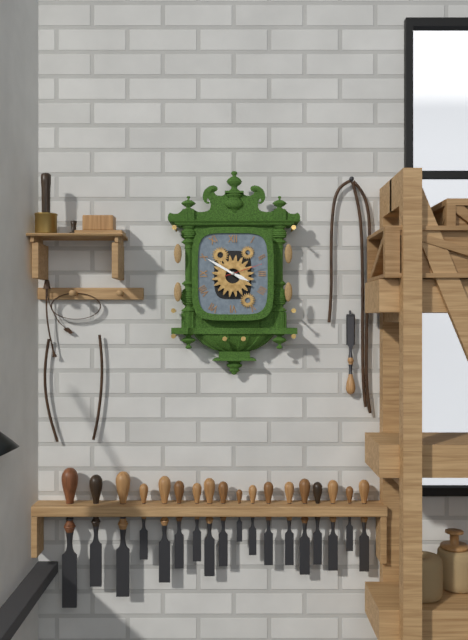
3:50
